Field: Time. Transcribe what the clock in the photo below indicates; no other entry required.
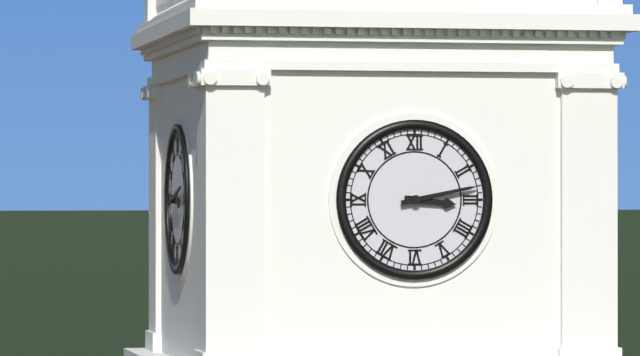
3:13
